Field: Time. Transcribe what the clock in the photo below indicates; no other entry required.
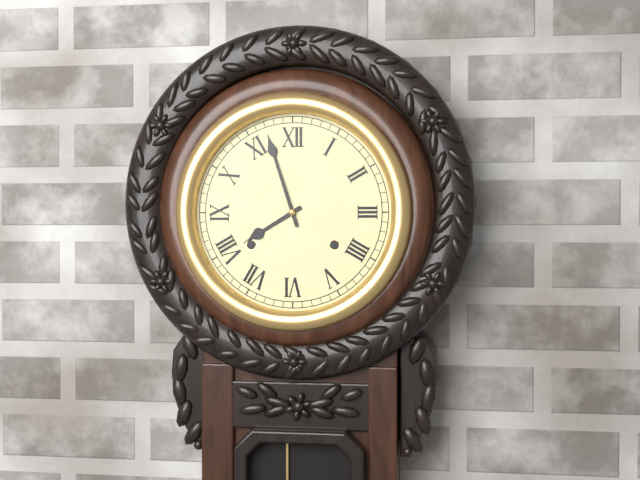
7:57
